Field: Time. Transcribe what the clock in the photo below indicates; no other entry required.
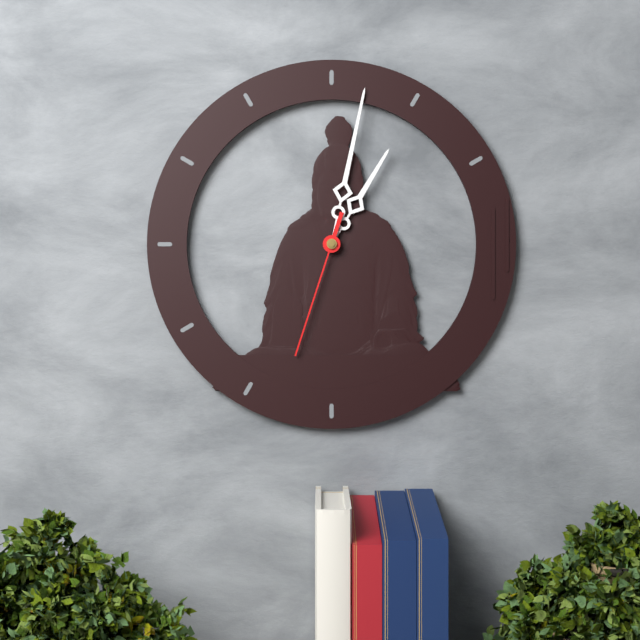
1:02:33
